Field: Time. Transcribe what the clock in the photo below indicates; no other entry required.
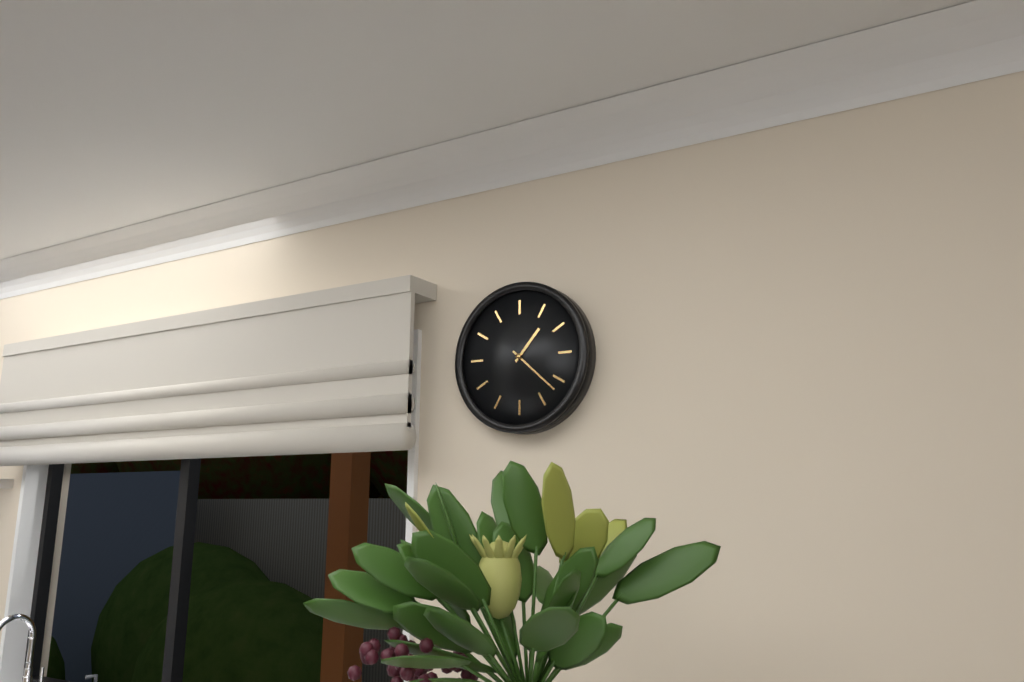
1:22
